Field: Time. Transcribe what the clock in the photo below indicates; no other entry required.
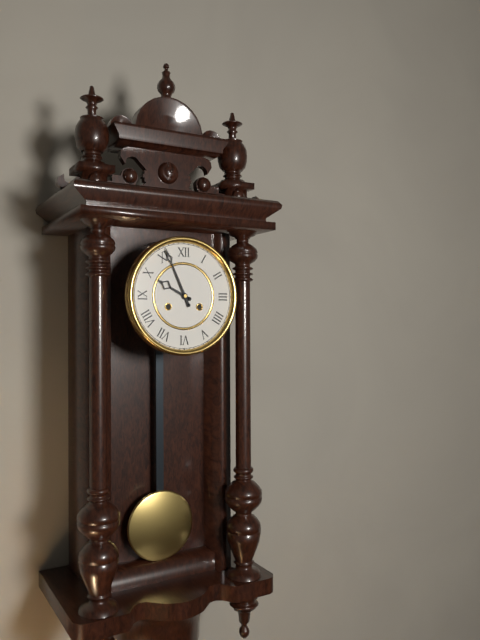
9:56
